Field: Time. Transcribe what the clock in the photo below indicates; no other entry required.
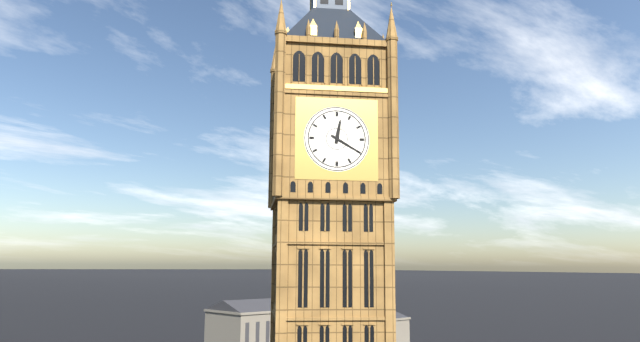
12:20
